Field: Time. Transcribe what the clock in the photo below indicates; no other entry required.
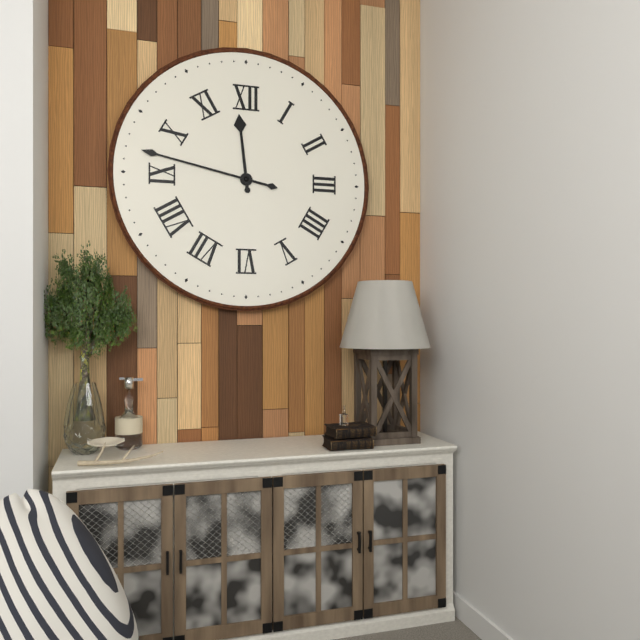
11:47
